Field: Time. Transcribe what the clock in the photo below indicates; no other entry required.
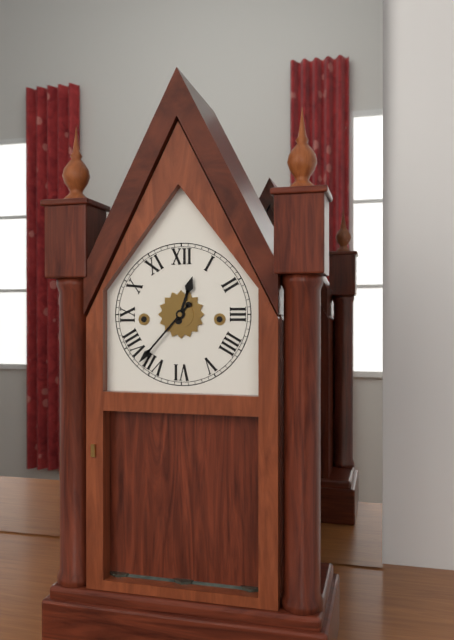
12:37
